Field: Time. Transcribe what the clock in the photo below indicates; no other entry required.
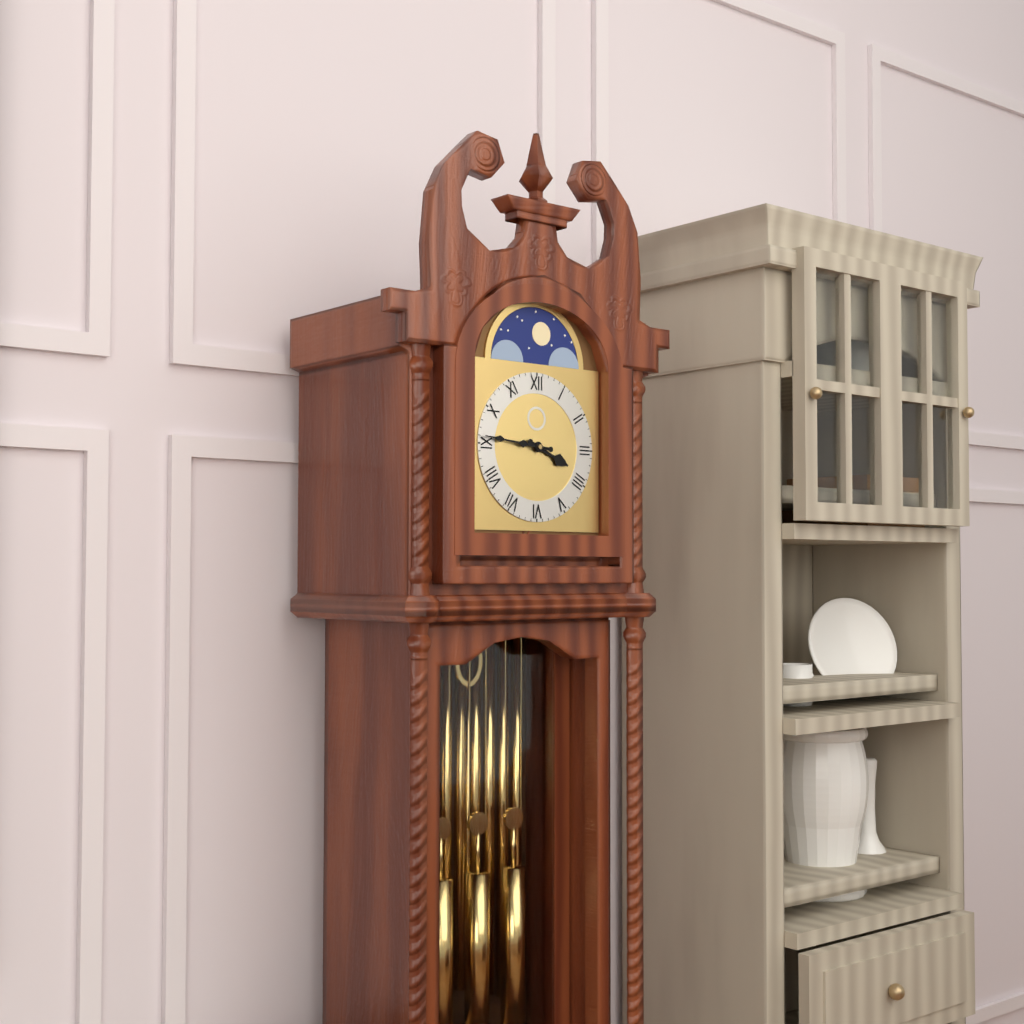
3:46
